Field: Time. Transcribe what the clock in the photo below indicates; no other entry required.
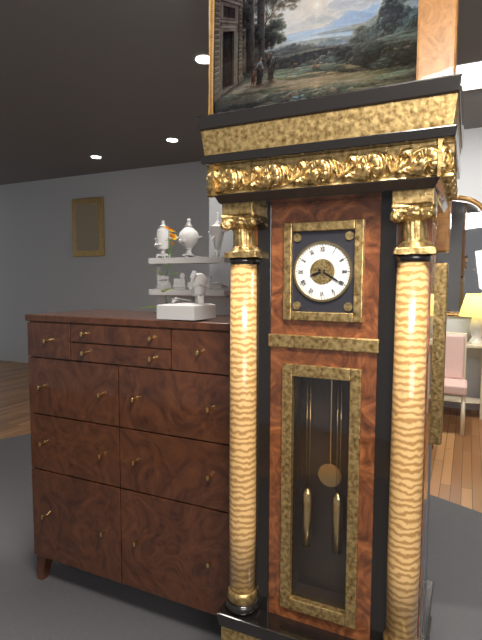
8:20
